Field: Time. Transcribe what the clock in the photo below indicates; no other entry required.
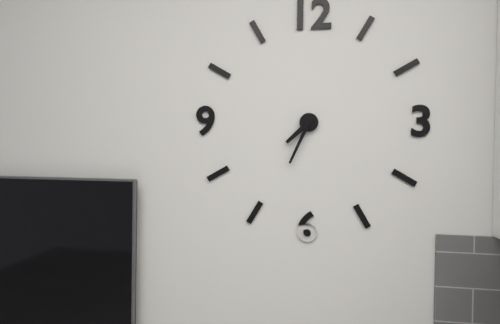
7:34
